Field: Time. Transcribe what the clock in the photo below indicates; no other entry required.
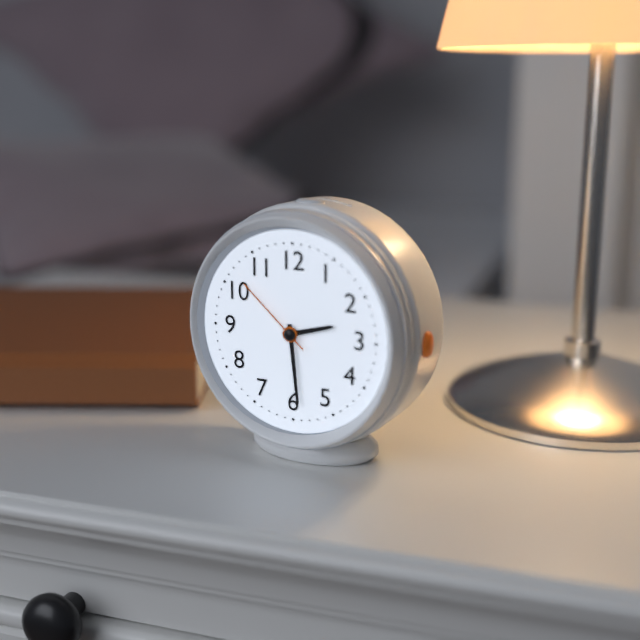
2:29:52
